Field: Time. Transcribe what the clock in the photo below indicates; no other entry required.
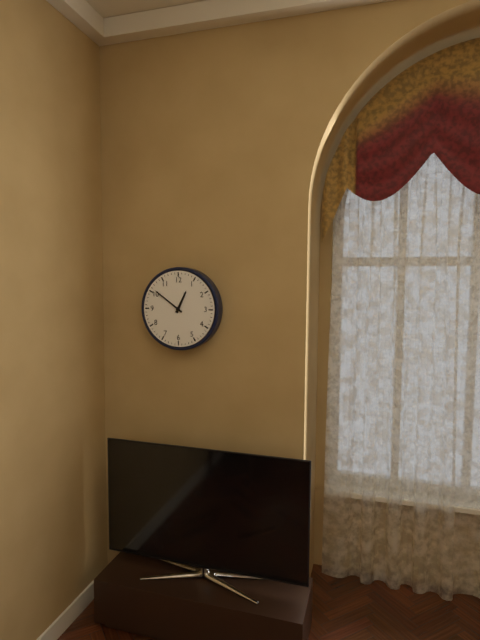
12:51
